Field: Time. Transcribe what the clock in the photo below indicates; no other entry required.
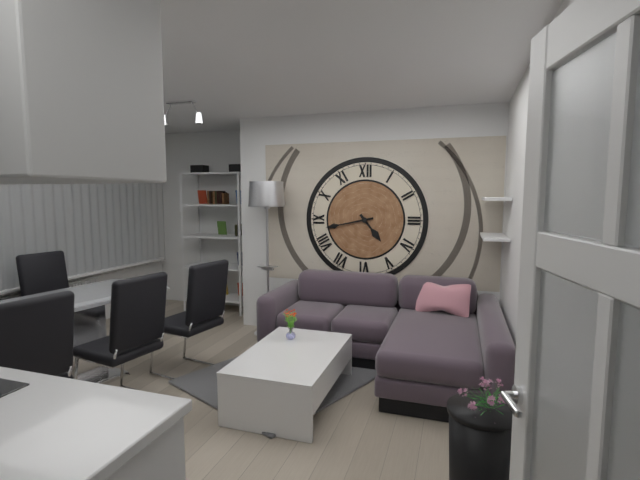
4:43
